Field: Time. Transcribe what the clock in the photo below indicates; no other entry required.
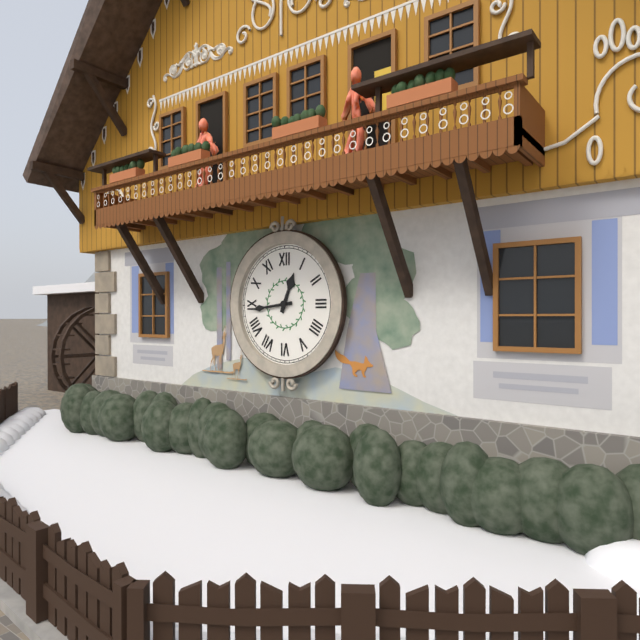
12:44
